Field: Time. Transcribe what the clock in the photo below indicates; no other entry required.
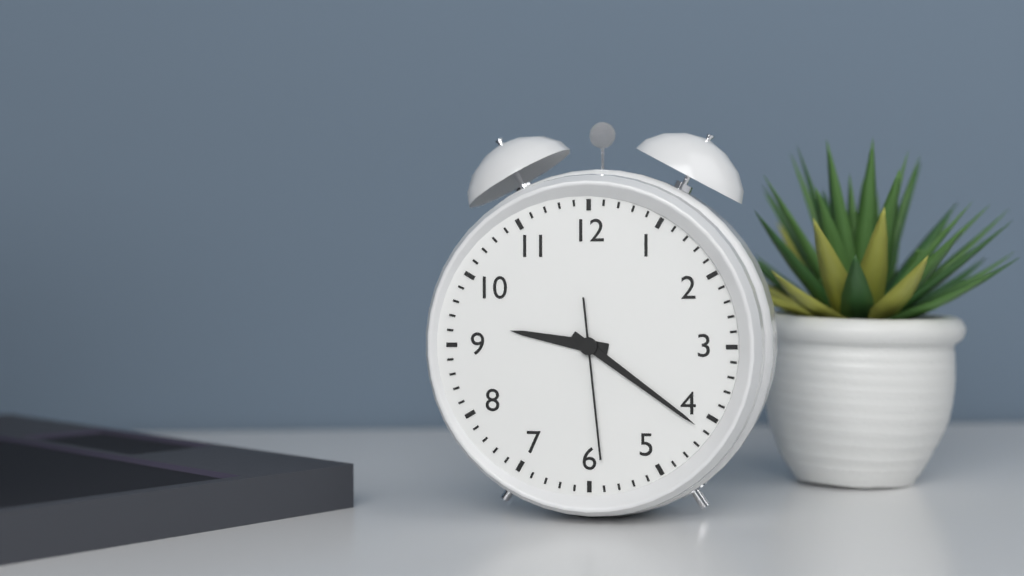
9:21:29
